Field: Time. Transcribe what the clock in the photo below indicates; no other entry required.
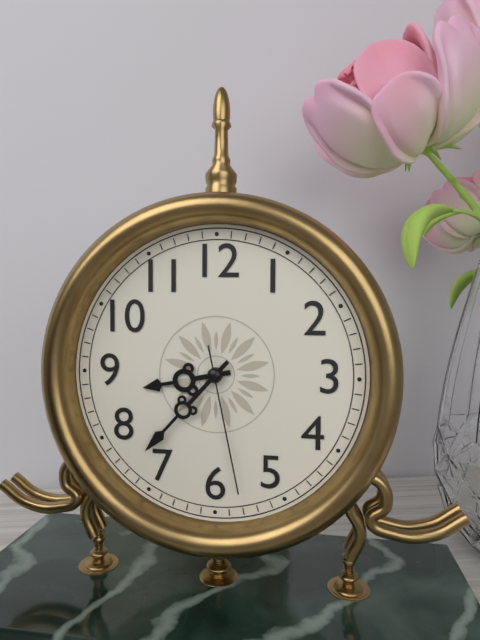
8:37:28
